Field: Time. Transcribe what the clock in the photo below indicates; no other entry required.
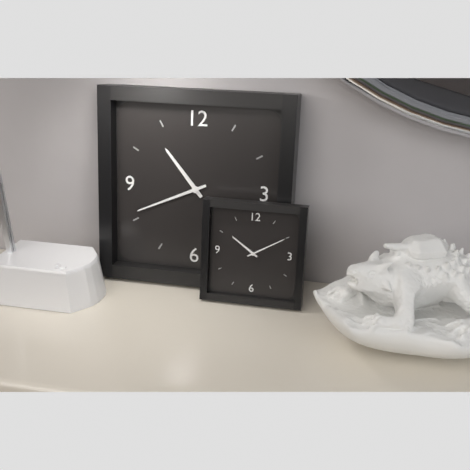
10:41
